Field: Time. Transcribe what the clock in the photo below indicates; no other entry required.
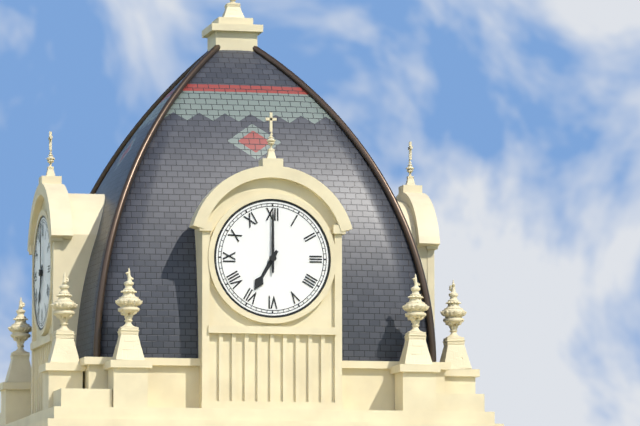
7:00
